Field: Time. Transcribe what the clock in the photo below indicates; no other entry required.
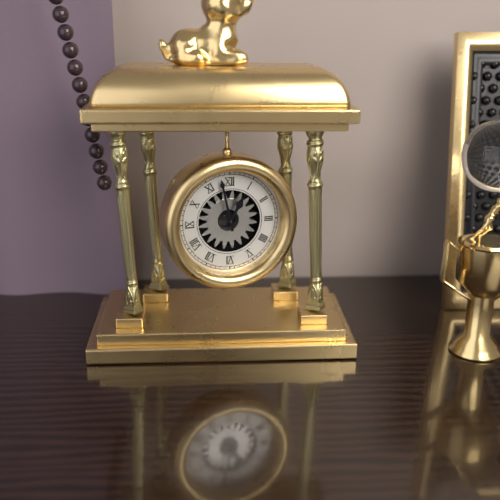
12:58
